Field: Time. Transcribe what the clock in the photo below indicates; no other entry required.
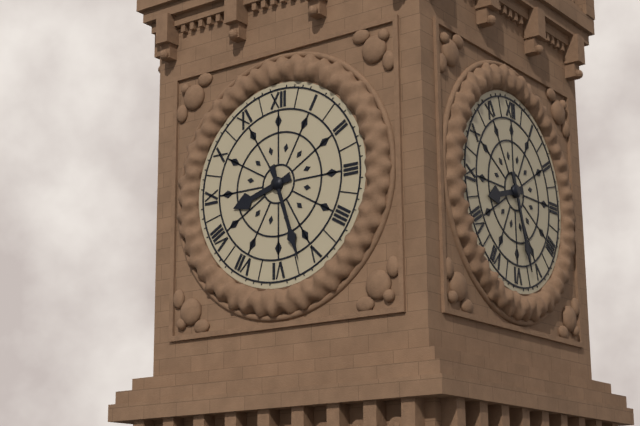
8:27
